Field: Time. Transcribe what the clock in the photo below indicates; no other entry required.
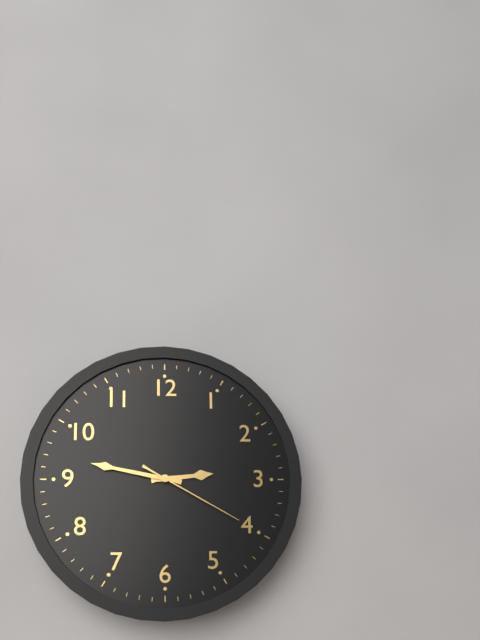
2:47:20
